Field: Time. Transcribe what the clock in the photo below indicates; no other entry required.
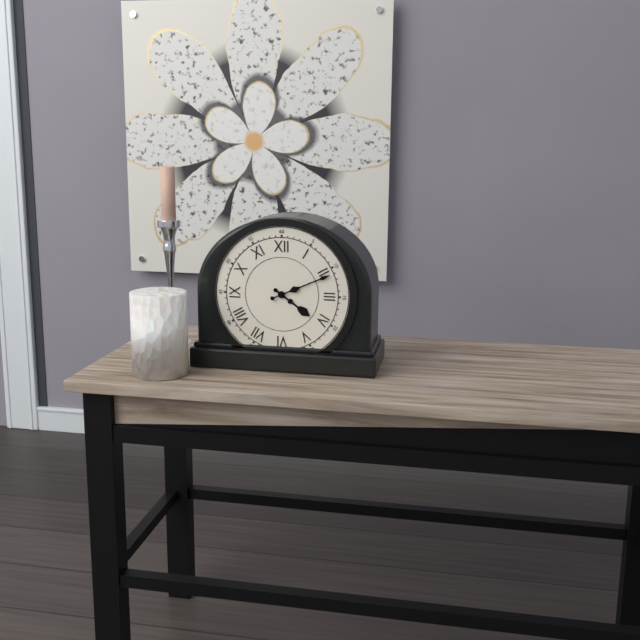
4:11
